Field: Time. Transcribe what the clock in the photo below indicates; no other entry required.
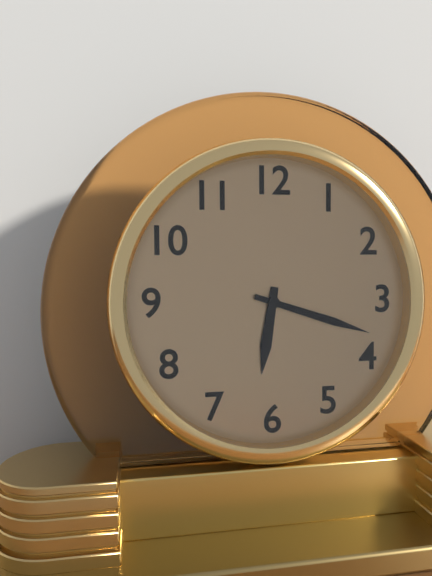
6:18
